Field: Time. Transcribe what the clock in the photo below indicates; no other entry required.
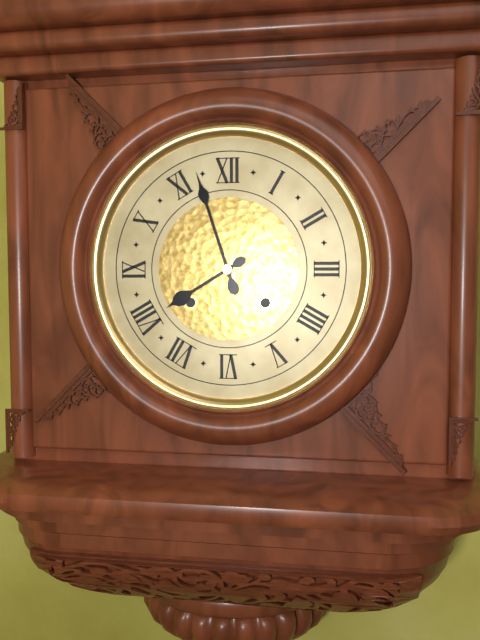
7:57
